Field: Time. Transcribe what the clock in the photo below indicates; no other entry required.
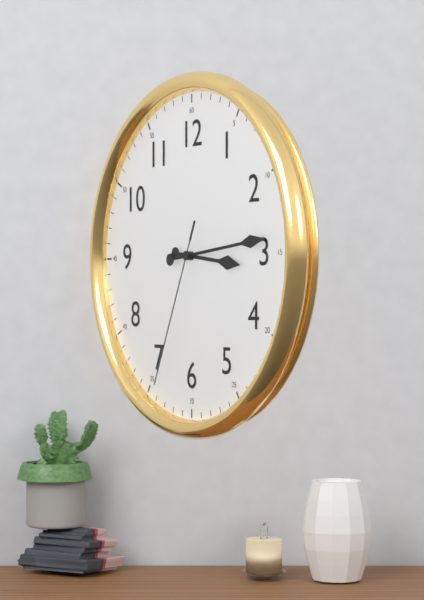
3:14:34
